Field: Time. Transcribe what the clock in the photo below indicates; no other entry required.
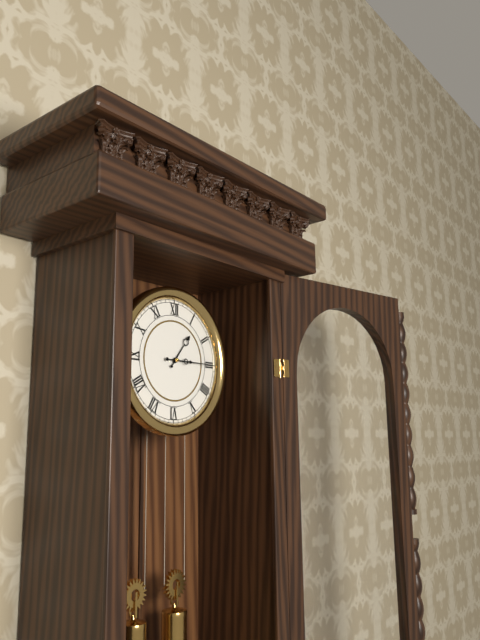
1:15
